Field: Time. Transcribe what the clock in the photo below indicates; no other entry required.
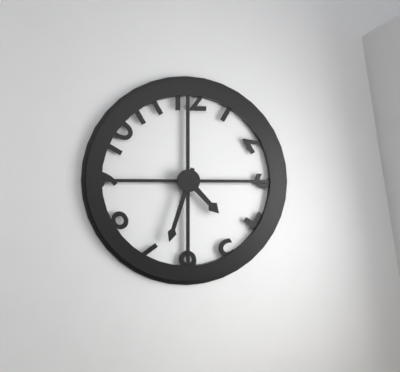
4:33
